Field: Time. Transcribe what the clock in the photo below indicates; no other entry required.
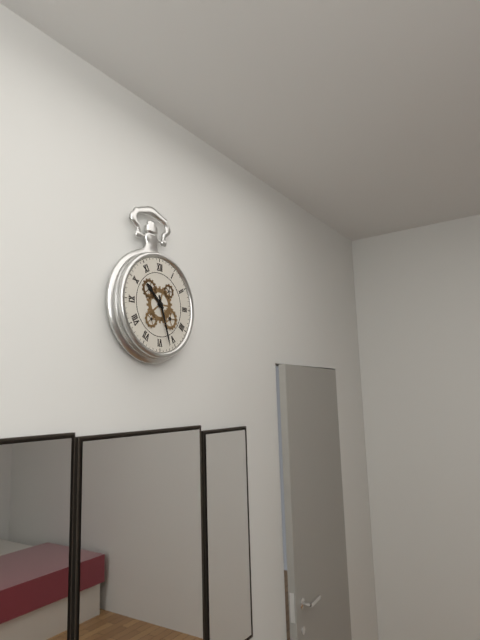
10:27
